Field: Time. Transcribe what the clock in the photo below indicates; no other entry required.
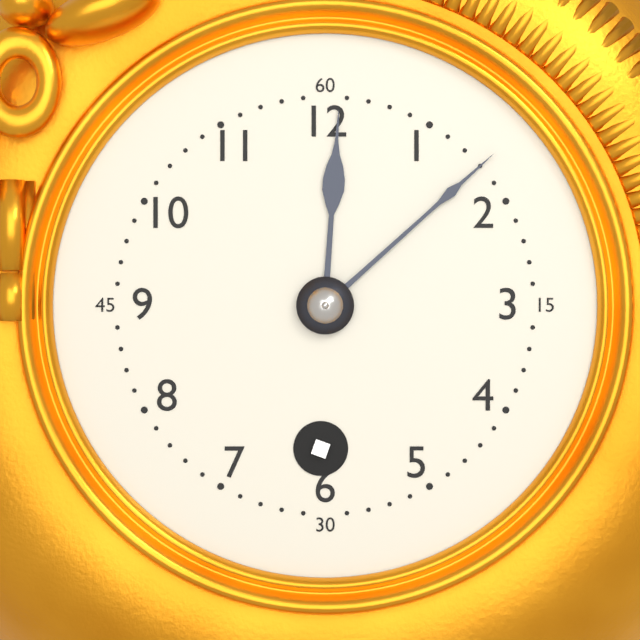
12:08
